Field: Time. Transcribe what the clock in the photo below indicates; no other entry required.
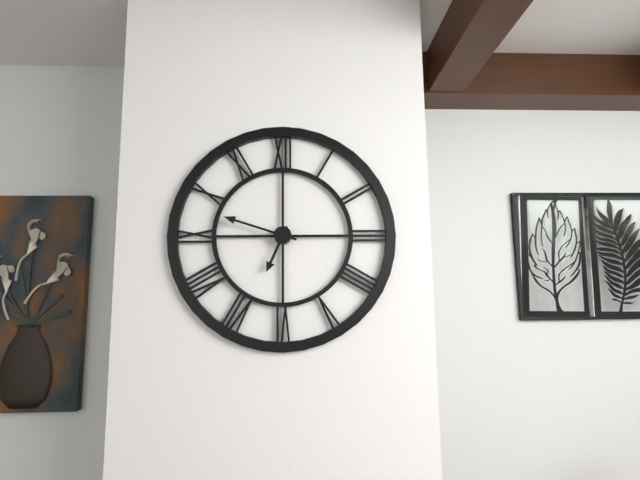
6:48
